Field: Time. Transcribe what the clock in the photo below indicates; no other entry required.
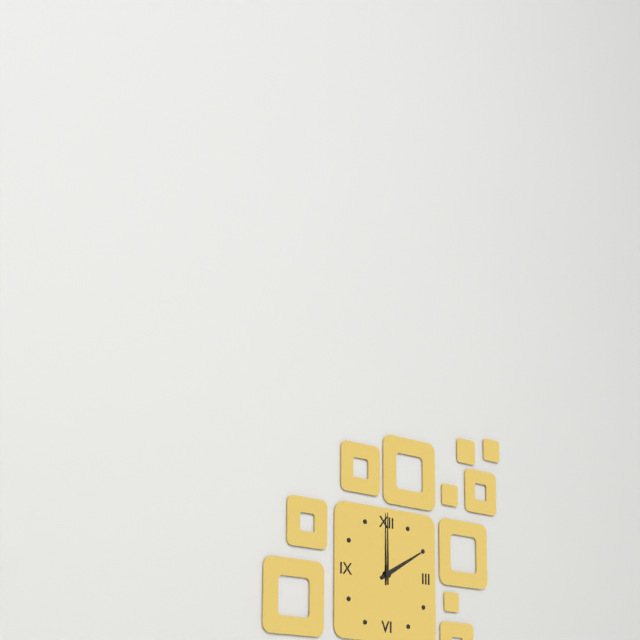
2:00
